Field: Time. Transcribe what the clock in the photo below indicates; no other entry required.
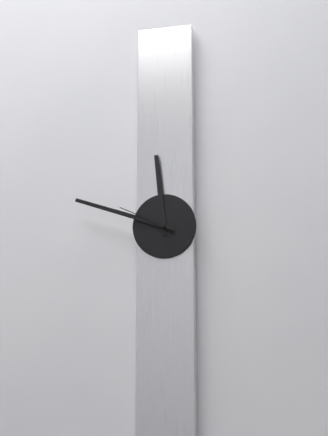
11:48:49
